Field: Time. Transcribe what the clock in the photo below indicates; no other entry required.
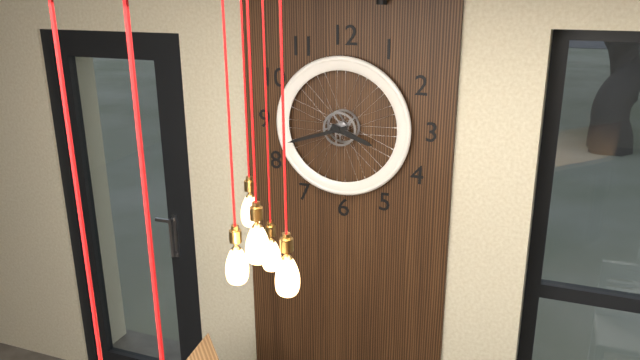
3:42
